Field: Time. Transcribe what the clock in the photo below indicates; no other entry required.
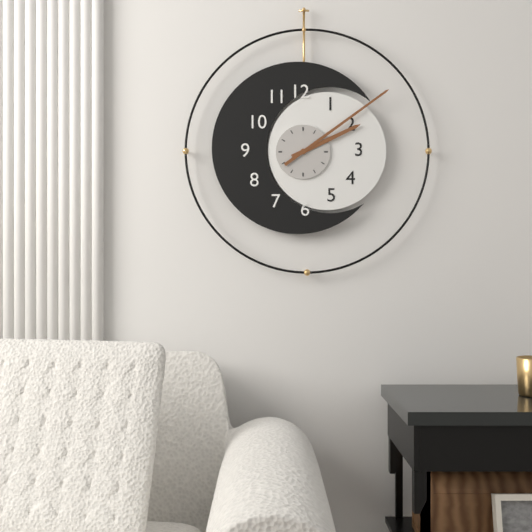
2:09
